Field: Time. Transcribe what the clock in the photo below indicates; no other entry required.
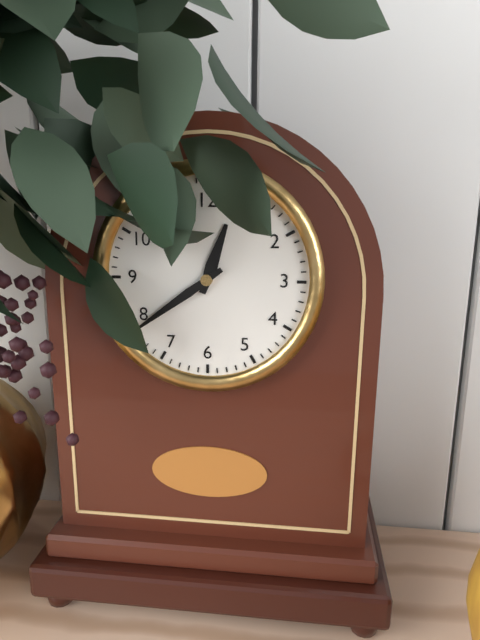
12:39
